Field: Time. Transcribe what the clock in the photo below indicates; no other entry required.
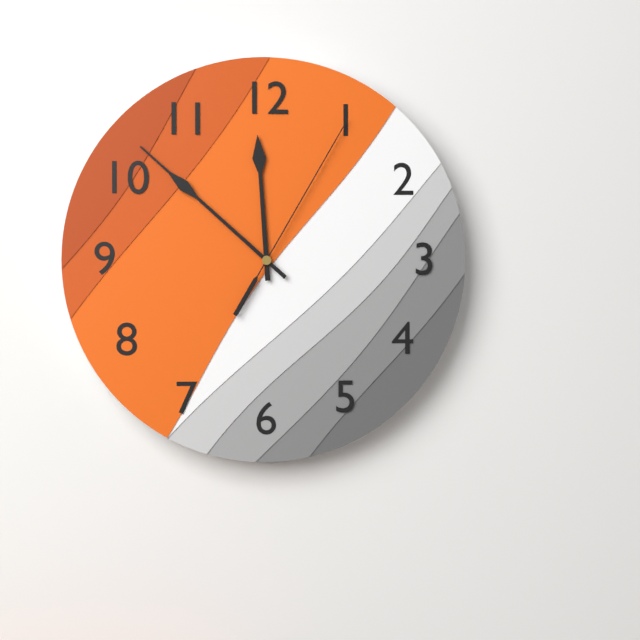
11:52:05
